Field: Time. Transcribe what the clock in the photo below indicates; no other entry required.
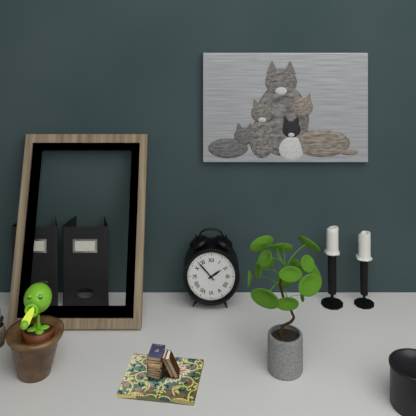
1:53
